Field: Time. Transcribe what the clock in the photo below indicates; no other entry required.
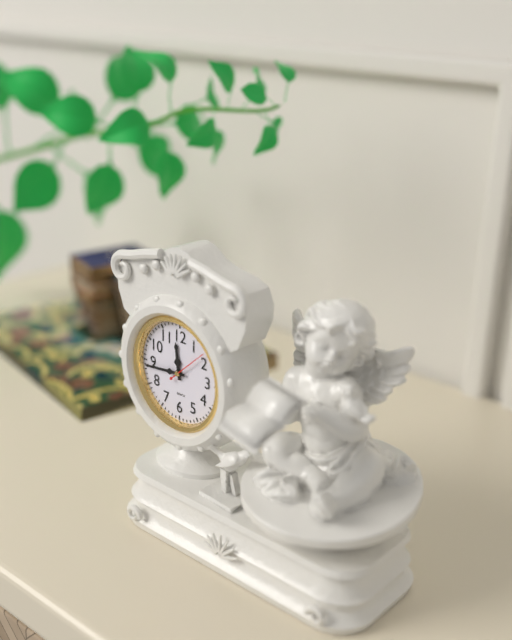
11:44
